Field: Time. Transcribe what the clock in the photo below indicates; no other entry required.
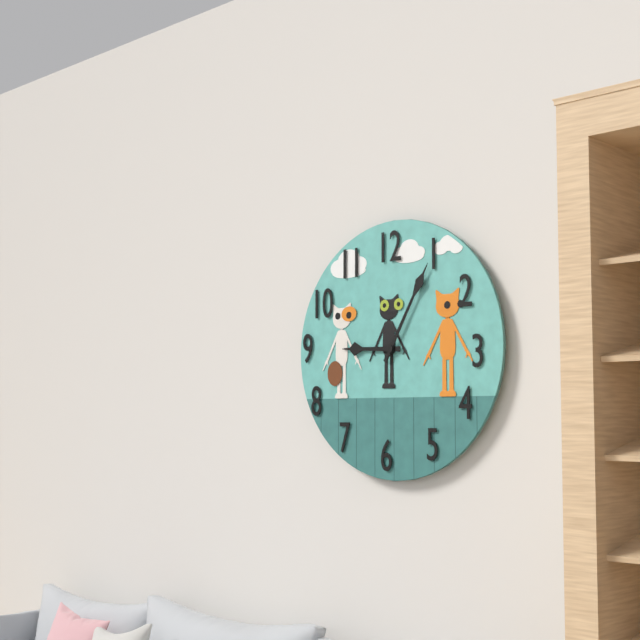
9:05
